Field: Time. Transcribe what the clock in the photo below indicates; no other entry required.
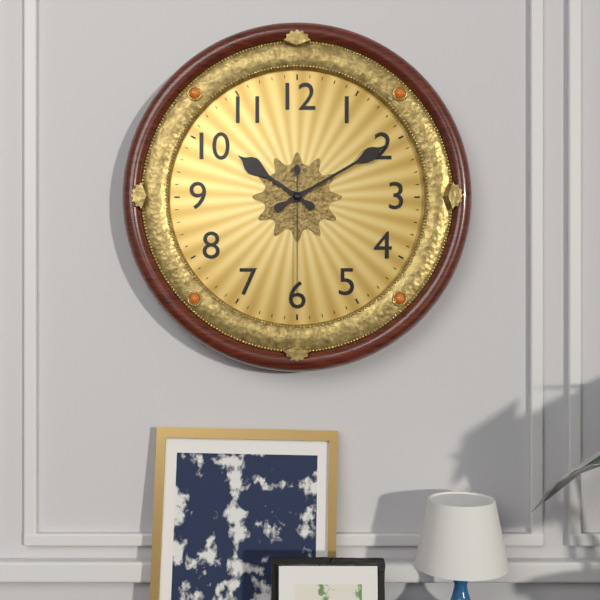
10:10:30
